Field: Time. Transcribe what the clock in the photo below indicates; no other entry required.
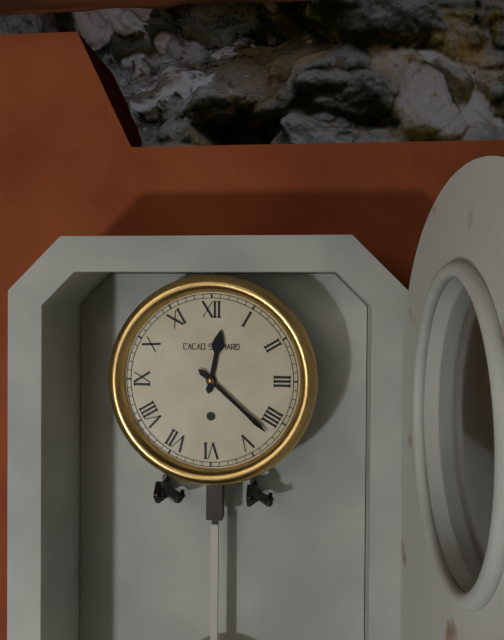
12:22
